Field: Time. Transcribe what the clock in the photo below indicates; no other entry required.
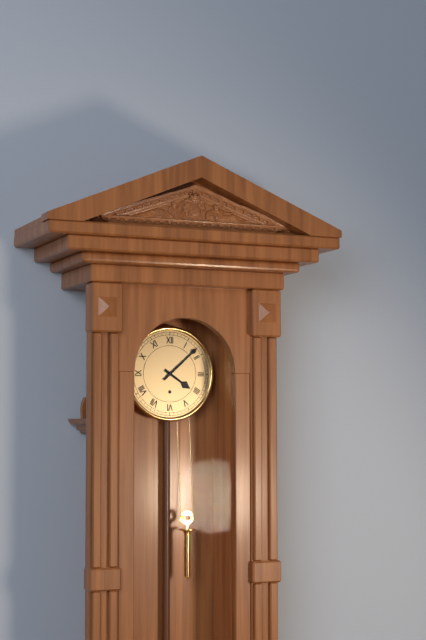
4:08
